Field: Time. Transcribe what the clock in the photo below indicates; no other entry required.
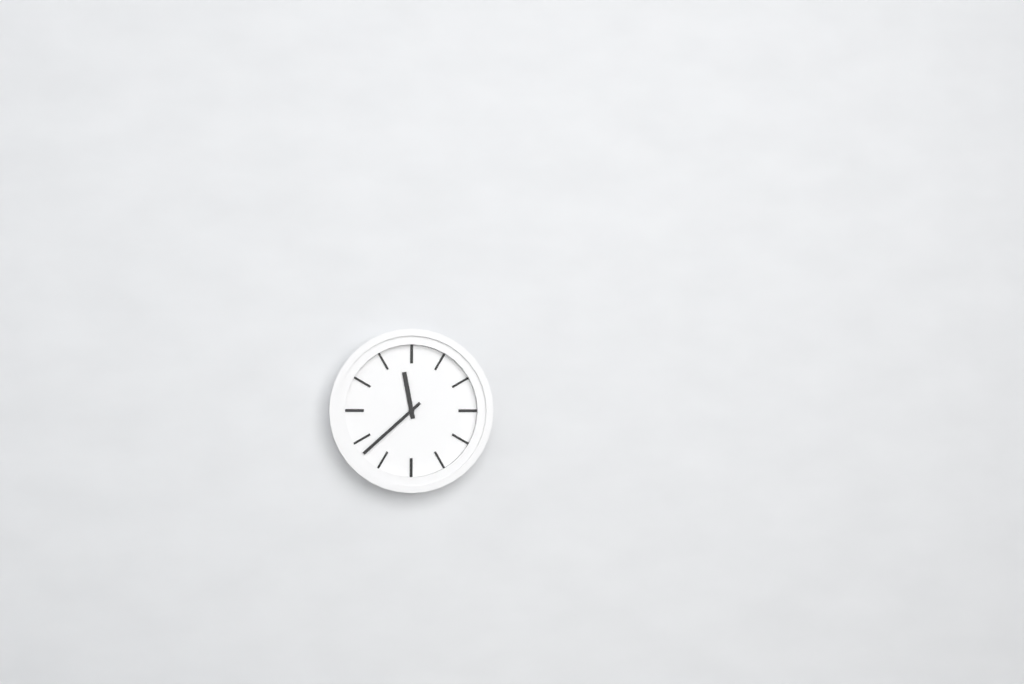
11:38
